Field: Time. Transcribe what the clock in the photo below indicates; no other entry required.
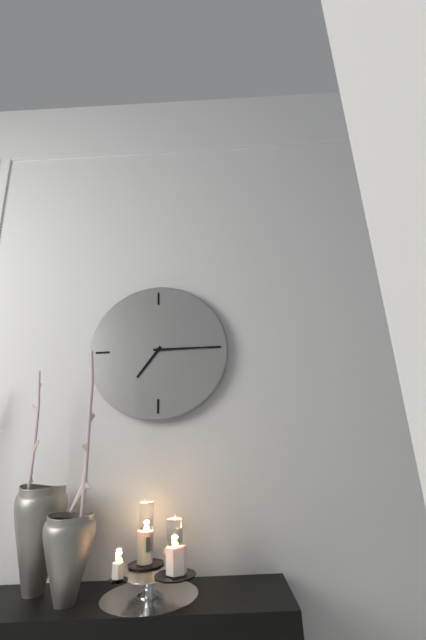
7:15
